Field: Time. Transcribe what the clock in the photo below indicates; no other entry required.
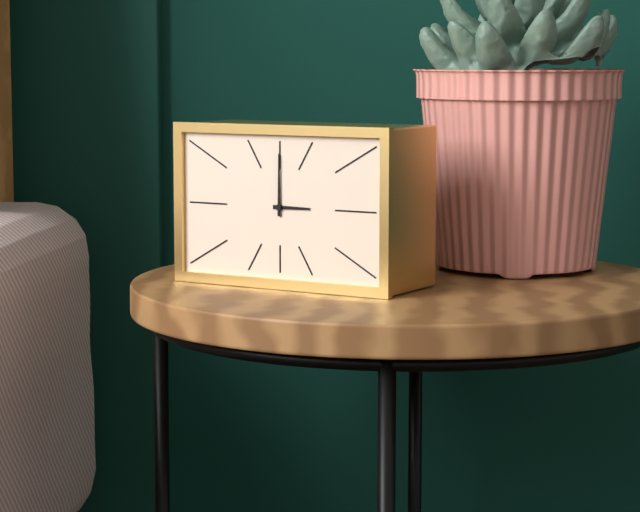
3:00
